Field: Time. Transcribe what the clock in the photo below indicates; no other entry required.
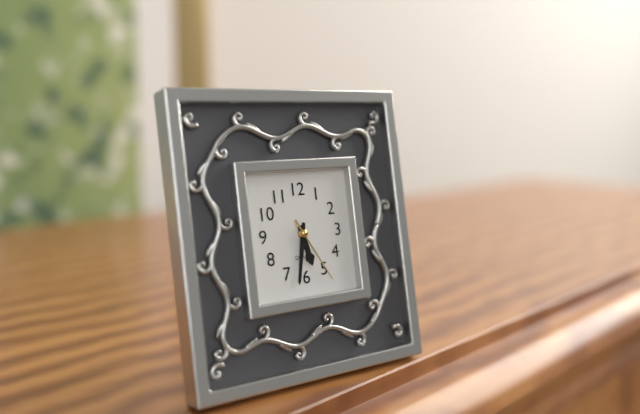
5:32:25
